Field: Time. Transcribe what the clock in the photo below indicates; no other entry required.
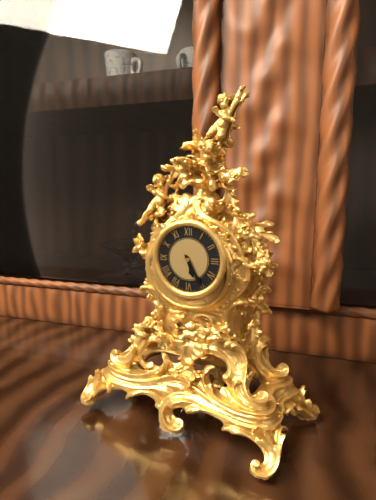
5:25
